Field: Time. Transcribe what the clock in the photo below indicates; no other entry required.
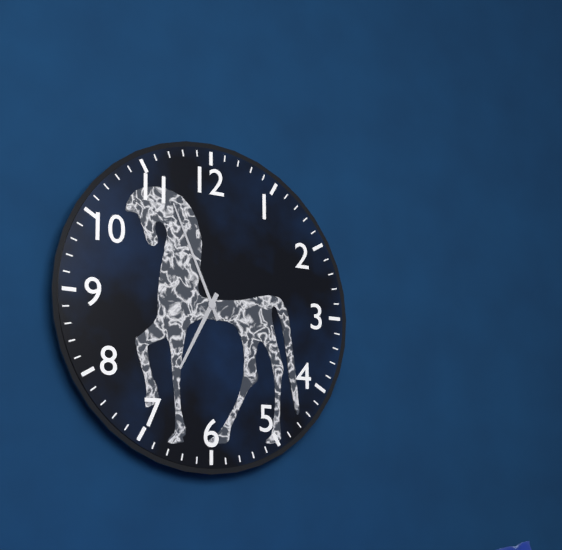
6:56
